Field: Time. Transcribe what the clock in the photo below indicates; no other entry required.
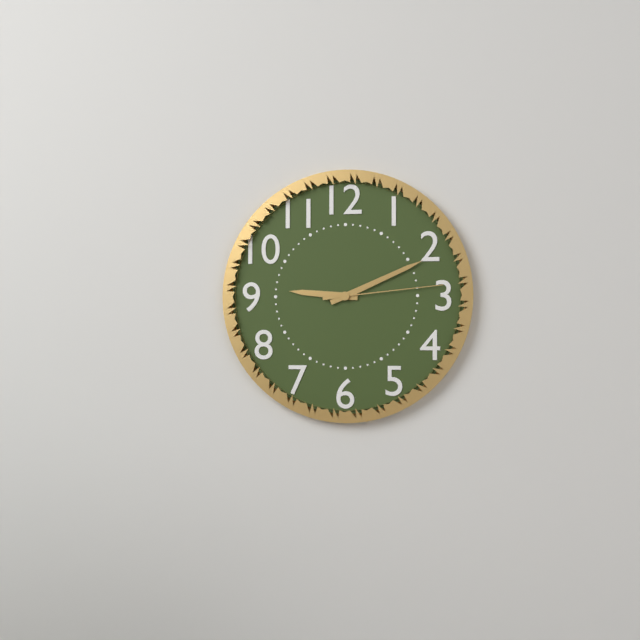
9:11:14
